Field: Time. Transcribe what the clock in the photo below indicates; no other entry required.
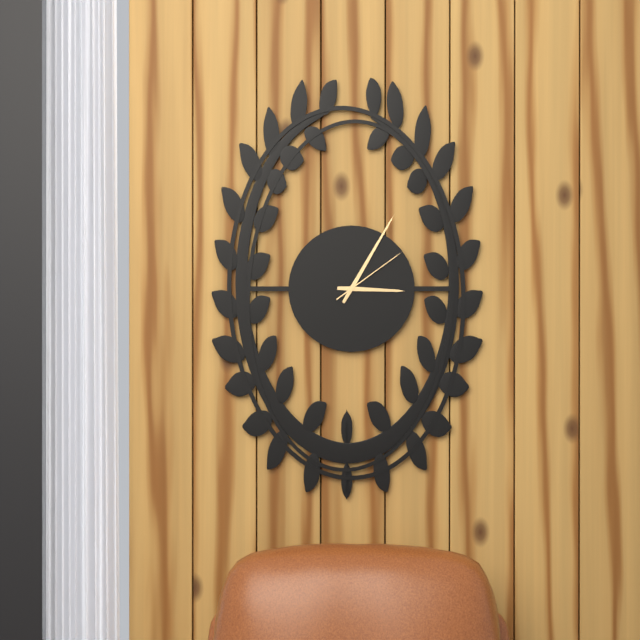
3:05:09
